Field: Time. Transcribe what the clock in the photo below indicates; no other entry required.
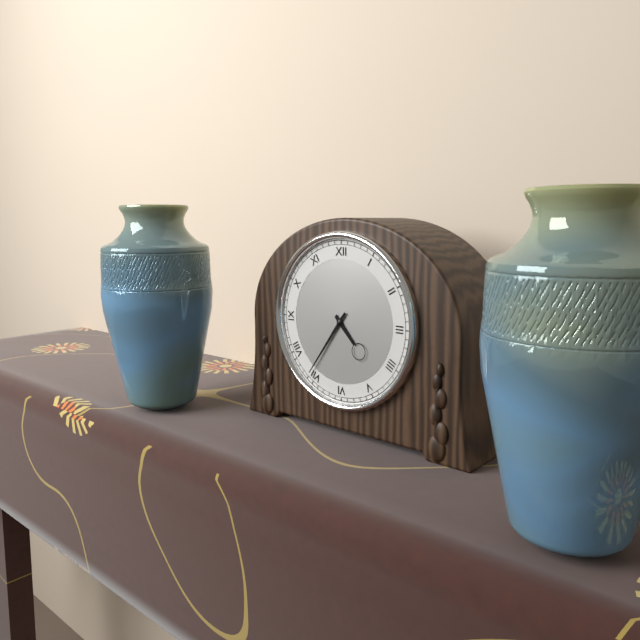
4:36
